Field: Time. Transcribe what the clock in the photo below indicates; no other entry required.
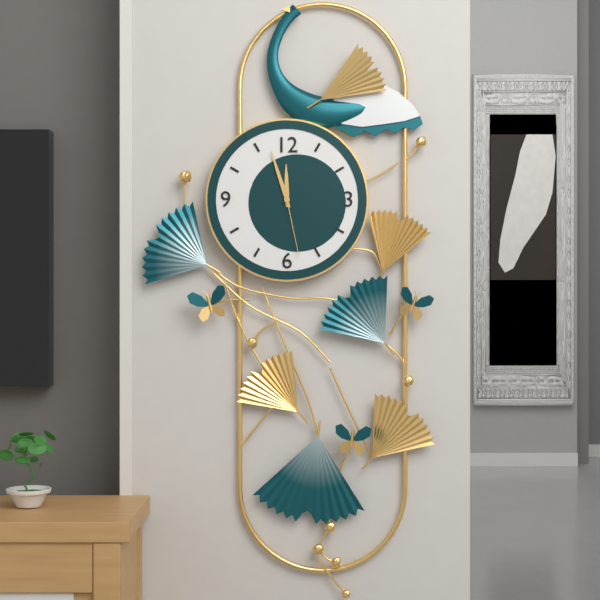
11:57:28
